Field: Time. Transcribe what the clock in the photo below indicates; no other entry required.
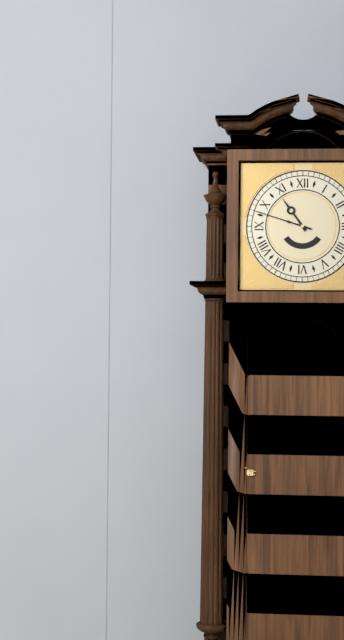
10:48
